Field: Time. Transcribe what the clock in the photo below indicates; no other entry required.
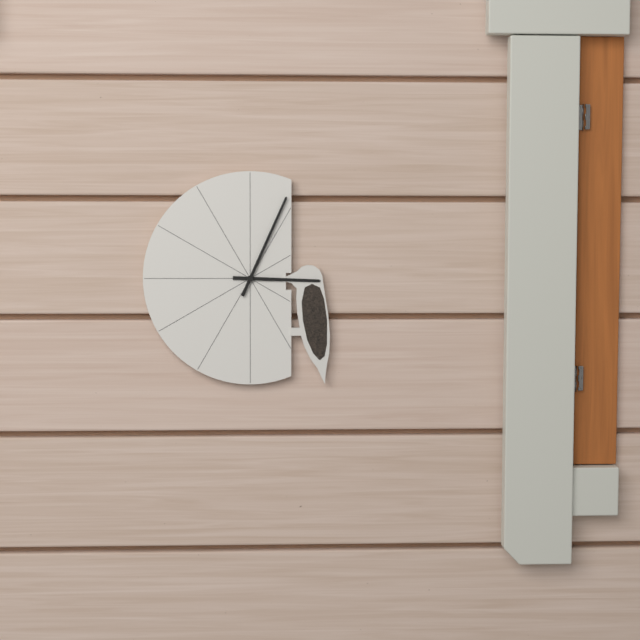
3:04
